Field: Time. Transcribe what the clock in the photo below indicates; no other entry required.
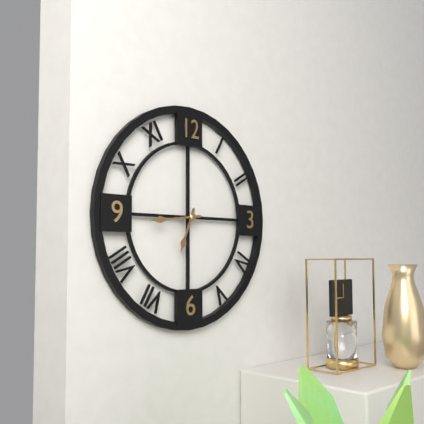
6:44
